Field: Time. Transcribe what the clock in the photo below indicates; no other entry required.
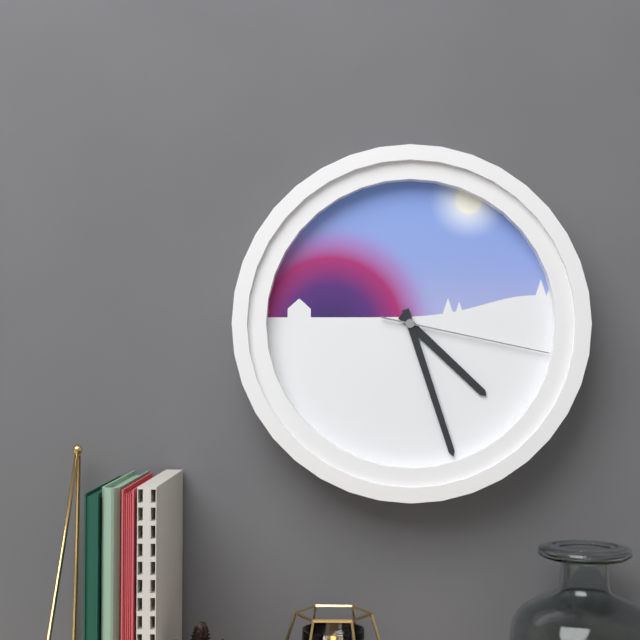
4:27:17
